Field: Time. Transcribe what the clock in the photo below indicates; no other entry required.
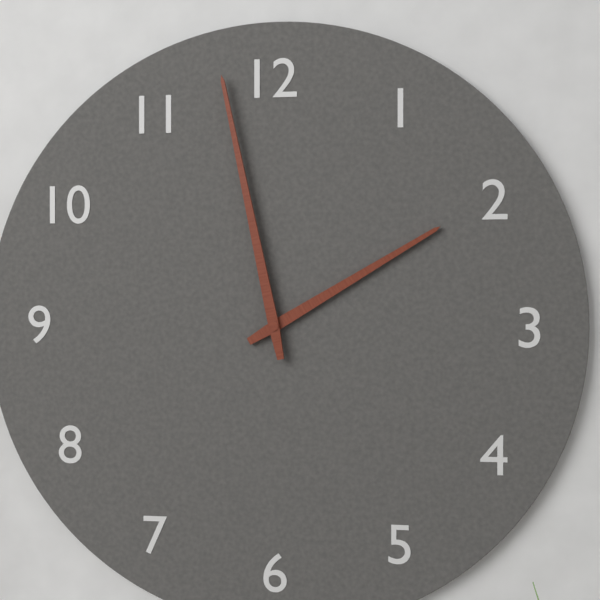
1:58
